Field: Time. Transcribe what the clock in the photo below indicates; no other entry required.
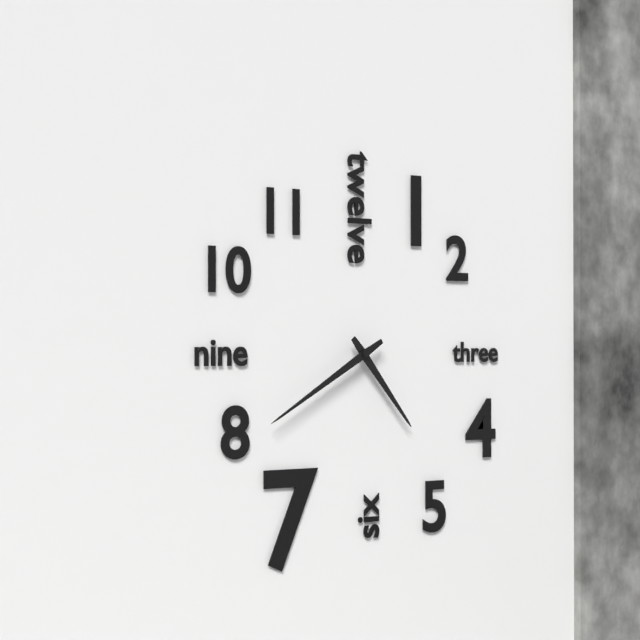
4:40
